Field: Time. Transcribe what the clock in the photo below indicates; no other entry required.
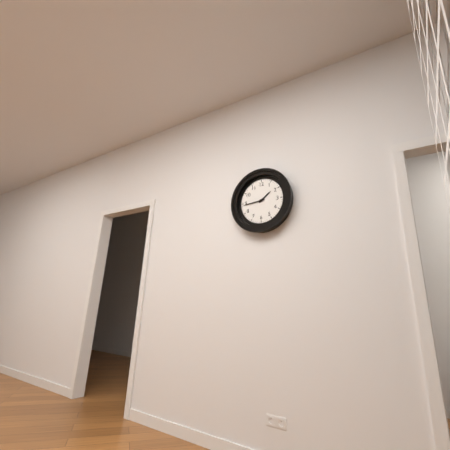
1:44
